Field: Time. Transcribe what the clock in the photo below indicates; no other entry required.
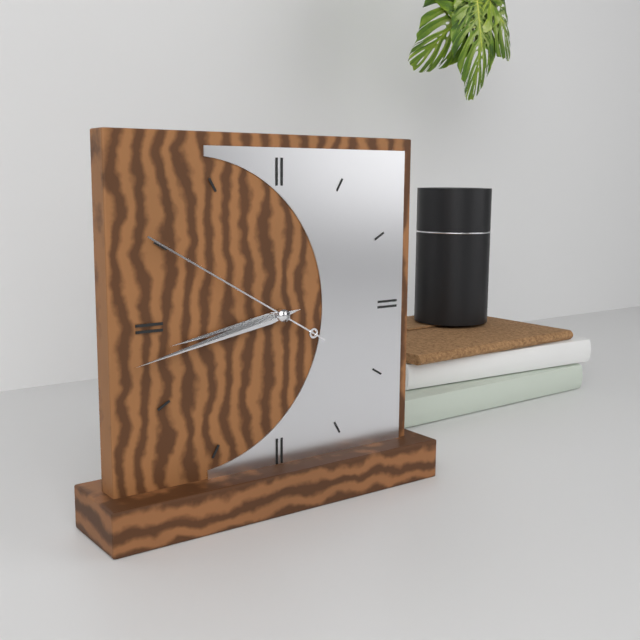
8:43:50
